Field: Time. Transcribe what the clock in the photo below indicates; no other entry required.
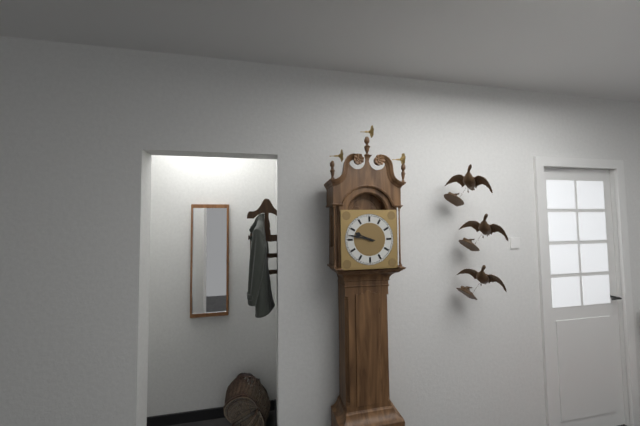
9:47
